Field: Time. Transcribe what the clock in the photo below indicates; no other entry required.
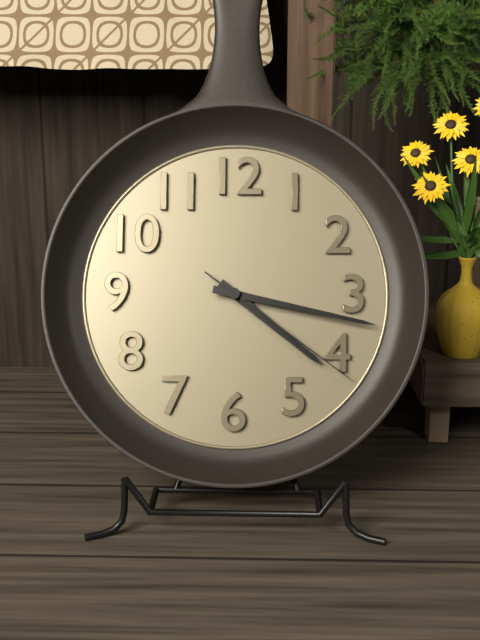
4:17:21
